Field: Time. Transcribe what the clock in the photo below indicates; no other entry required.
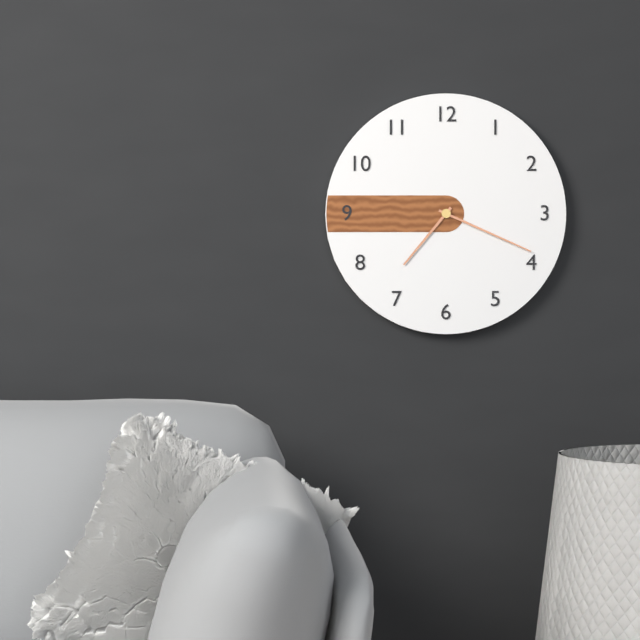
7:19
